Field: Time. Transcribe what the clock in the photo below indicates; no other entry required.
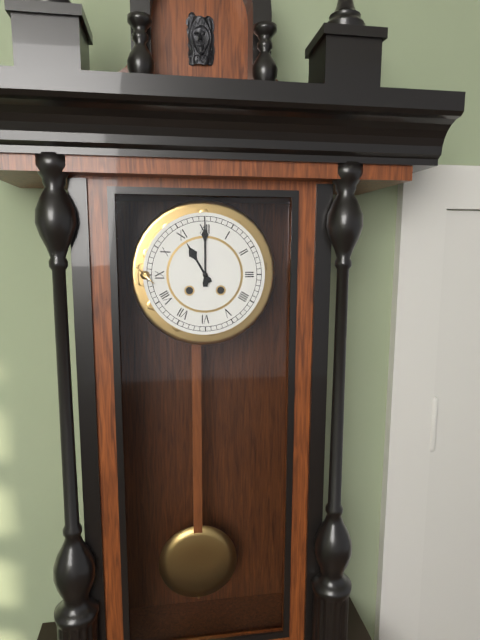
11:00
